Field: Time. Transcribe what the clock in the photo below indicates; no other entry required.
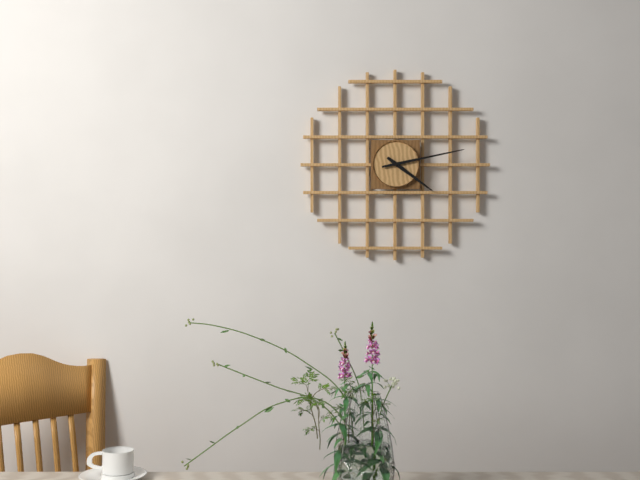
4:13
